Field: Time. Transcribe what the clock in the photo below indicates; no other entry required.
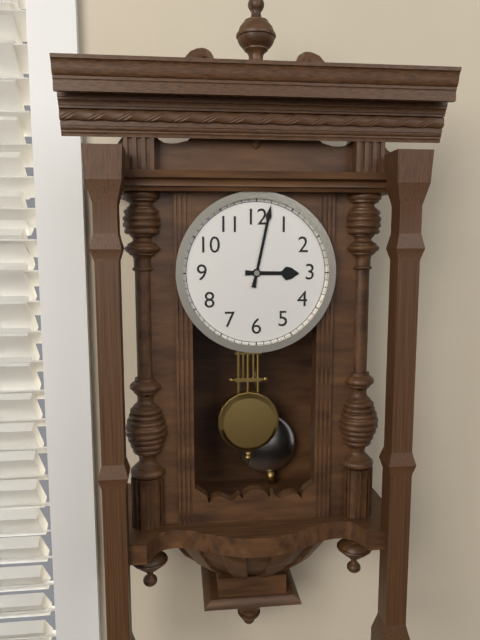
3:02
